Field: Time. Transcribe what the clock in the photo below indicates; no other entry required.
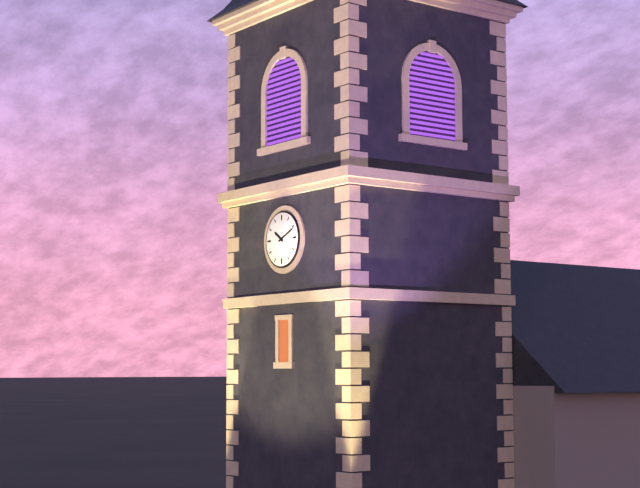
10:11
